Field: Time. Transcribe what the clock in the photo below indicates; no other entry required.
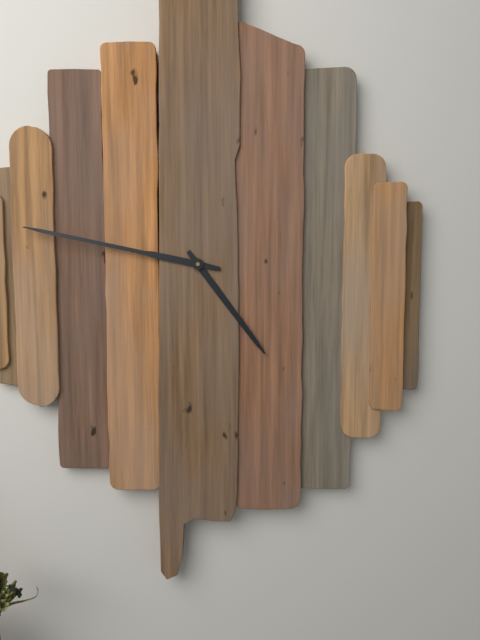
4:47
